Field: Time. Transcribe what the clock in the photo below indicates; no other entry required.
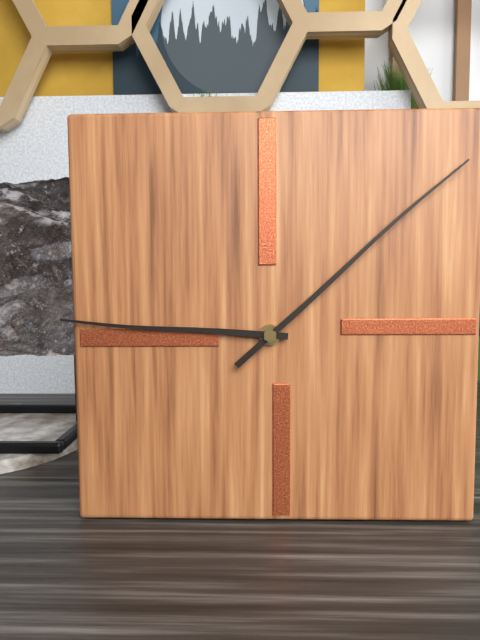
9:08
